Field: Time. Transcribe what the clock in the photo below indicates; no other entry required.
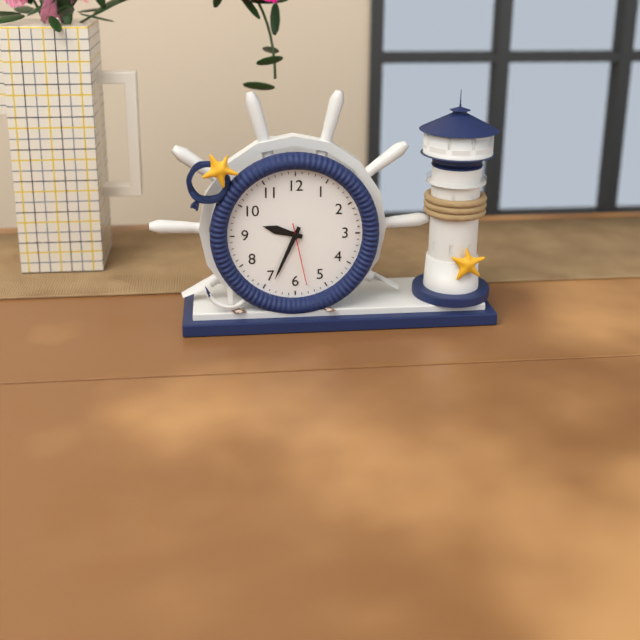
9:34:28
